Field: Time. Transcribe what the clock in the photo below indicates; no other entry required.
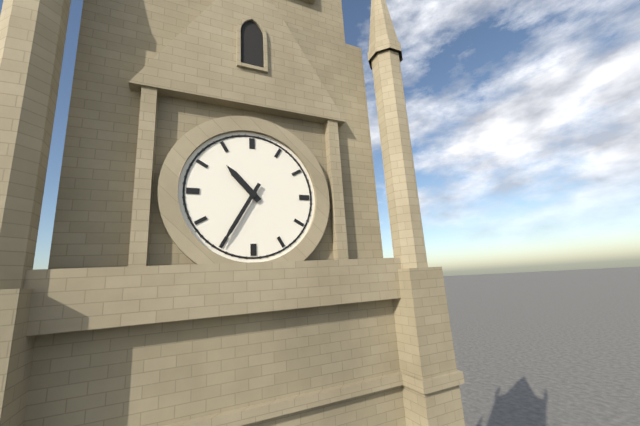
10:35
